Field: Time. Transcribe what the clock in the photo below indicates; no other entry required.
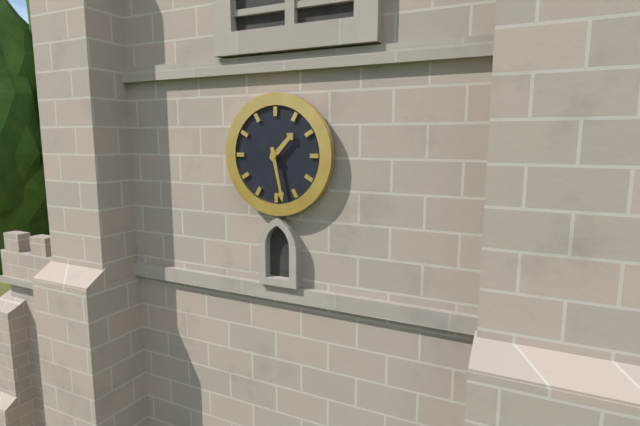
1:28
